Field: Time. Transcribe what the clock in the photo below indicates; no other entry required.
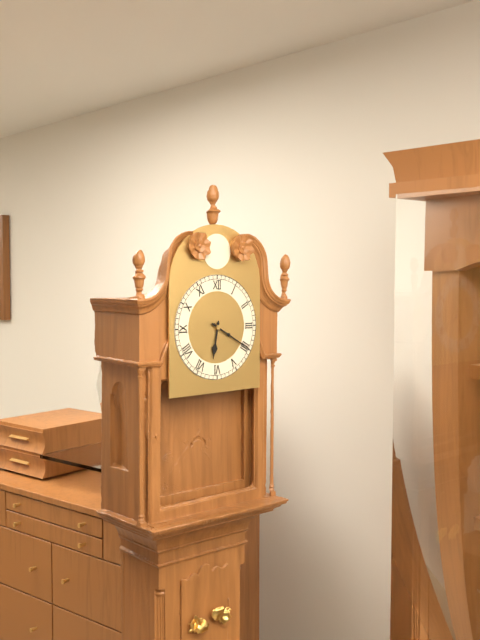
6:20
